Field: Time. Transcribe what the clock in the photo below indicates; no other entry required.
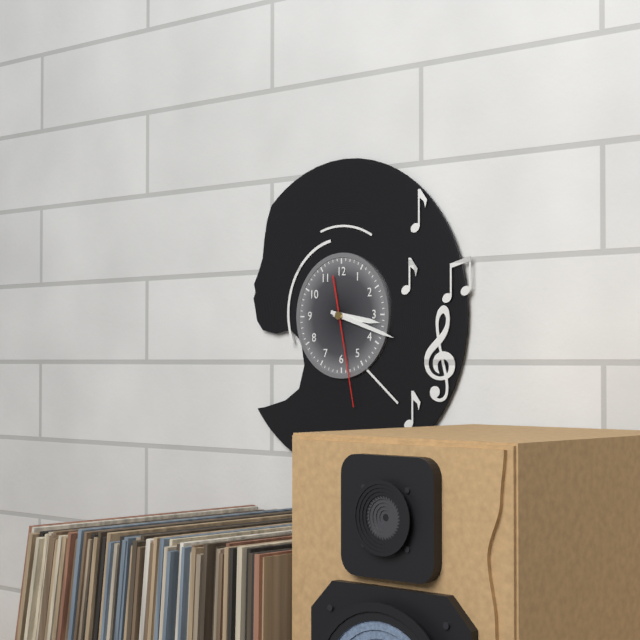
3:18:28
